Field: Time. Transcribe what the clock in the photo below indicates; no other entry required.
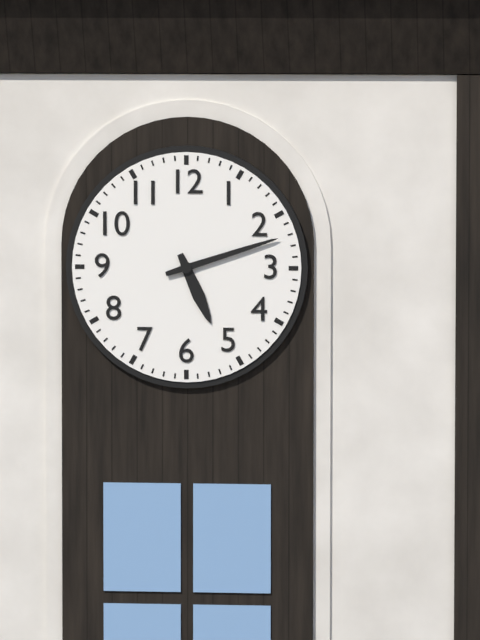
5:12
